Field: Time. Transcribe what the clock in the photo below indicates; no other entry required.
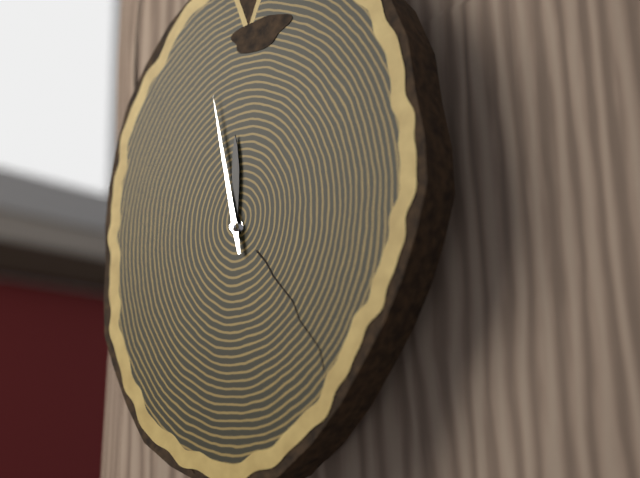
11:58
